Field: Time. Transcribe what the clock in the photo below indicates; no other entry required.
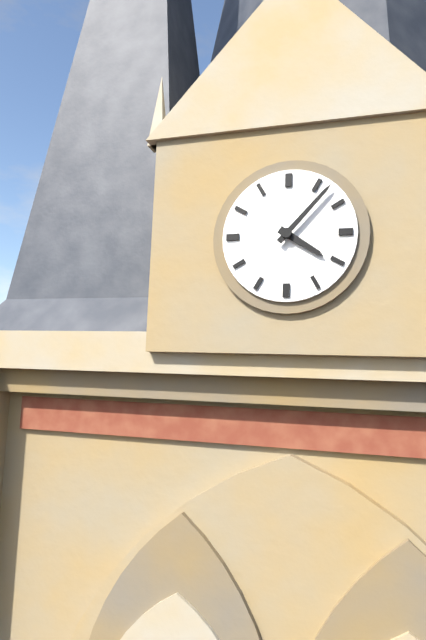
4:07
